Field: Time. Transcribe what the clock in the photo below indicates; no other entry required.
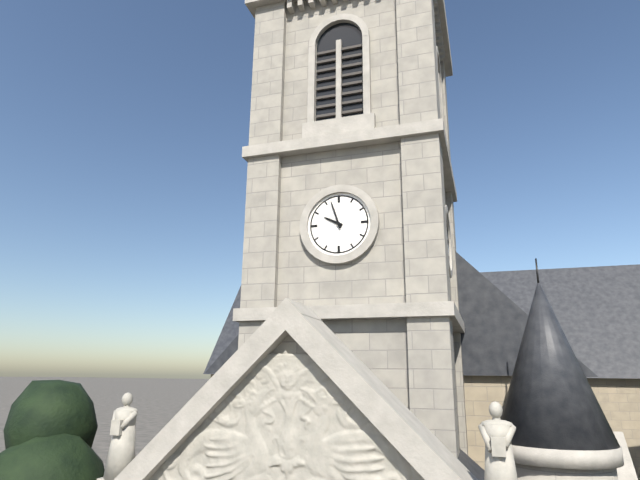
9:57
